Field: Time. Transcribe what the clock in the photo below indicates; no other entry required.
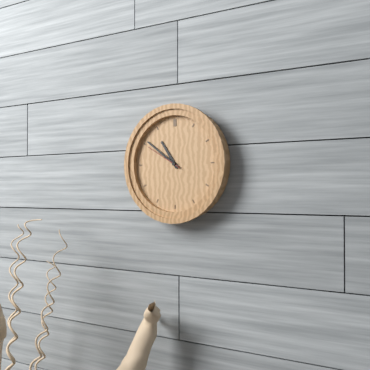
10:51
